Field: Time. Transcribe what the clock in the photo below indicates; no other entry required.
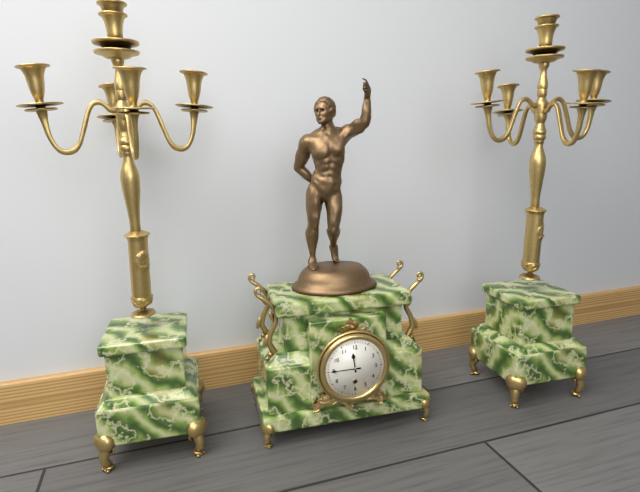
11:45
